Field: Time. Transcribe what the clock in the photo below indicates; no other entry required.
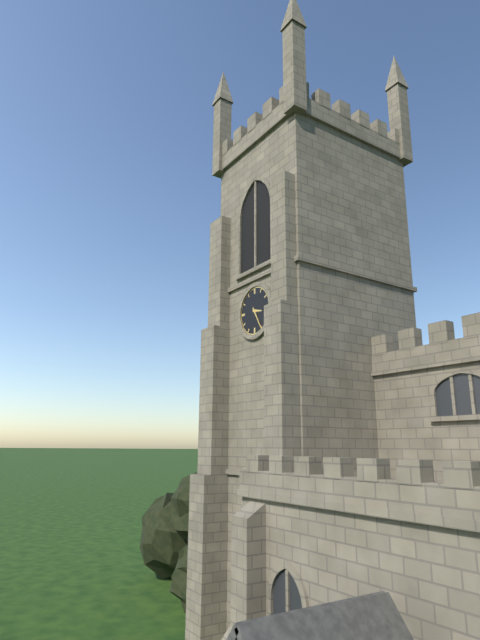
3:25
